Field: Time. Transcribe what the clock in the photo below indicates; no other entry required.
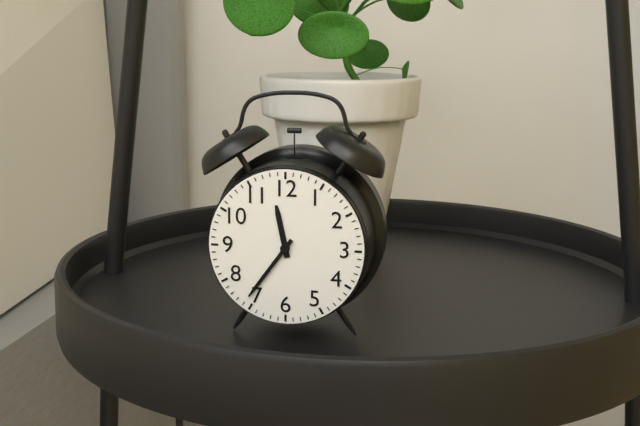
11:36
